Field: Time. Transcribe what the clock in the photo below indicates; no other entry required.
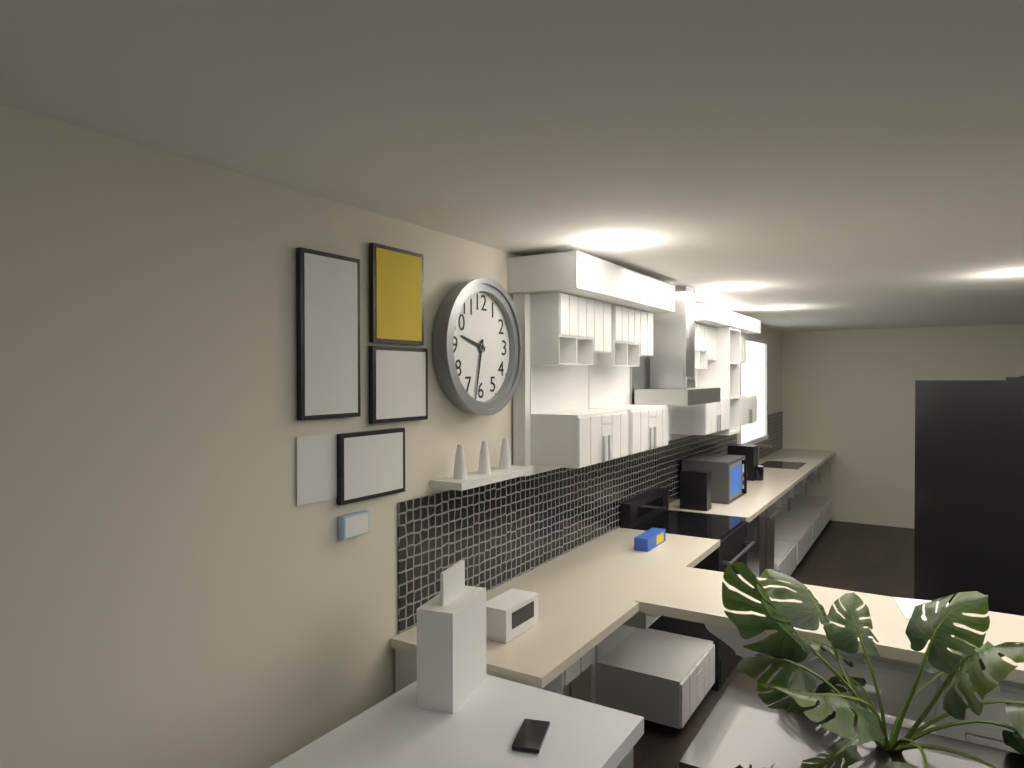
9:32
